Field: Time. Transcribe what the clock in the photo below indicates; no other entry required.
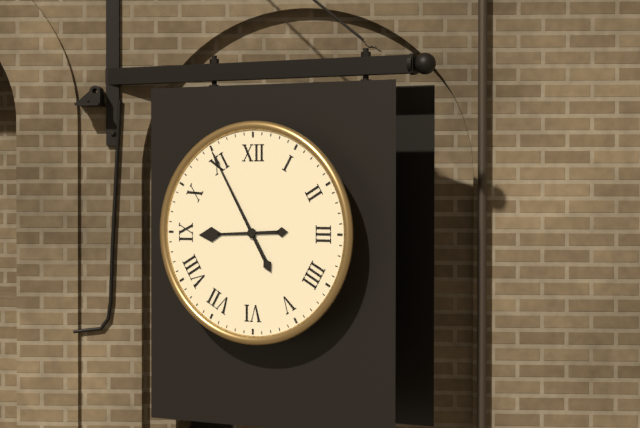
8:55
